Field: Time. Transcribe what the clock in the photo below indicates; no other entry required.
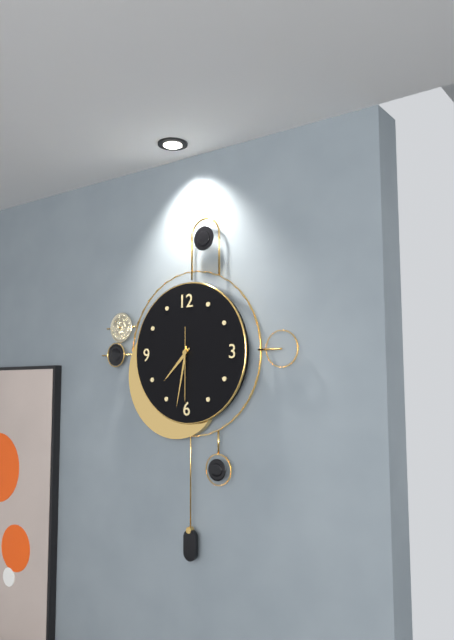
7:32:30
